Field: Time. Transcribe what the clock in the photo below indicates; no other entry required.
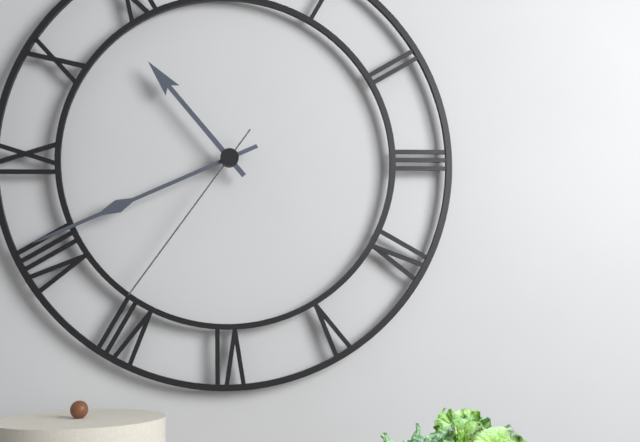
10:41:36
